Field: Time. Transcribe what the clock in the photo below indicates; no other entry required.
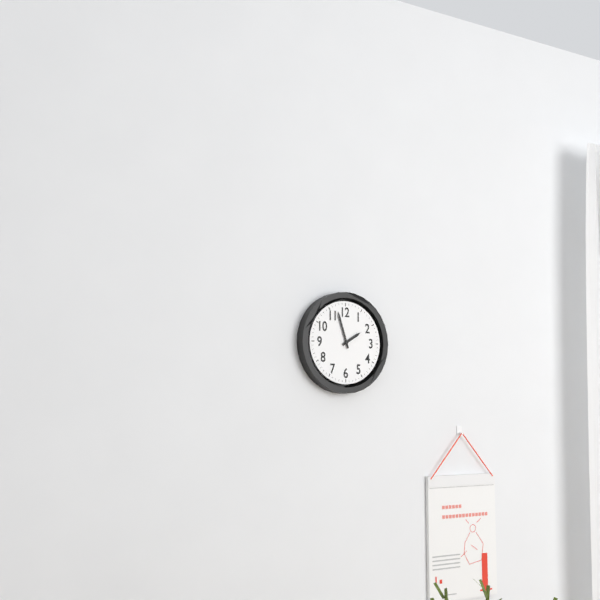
1:57
